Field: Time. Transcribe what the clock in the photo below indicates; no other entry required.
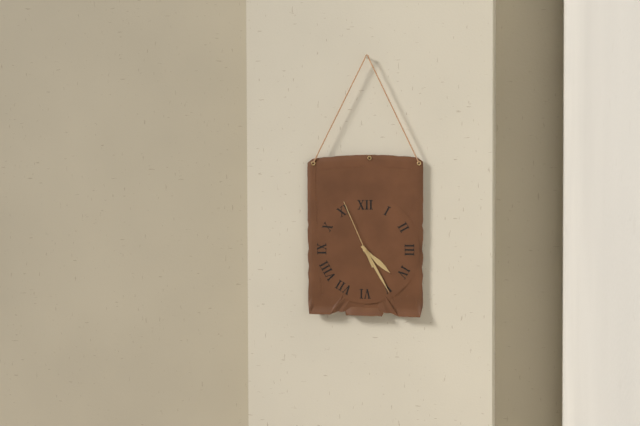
4:25:56
